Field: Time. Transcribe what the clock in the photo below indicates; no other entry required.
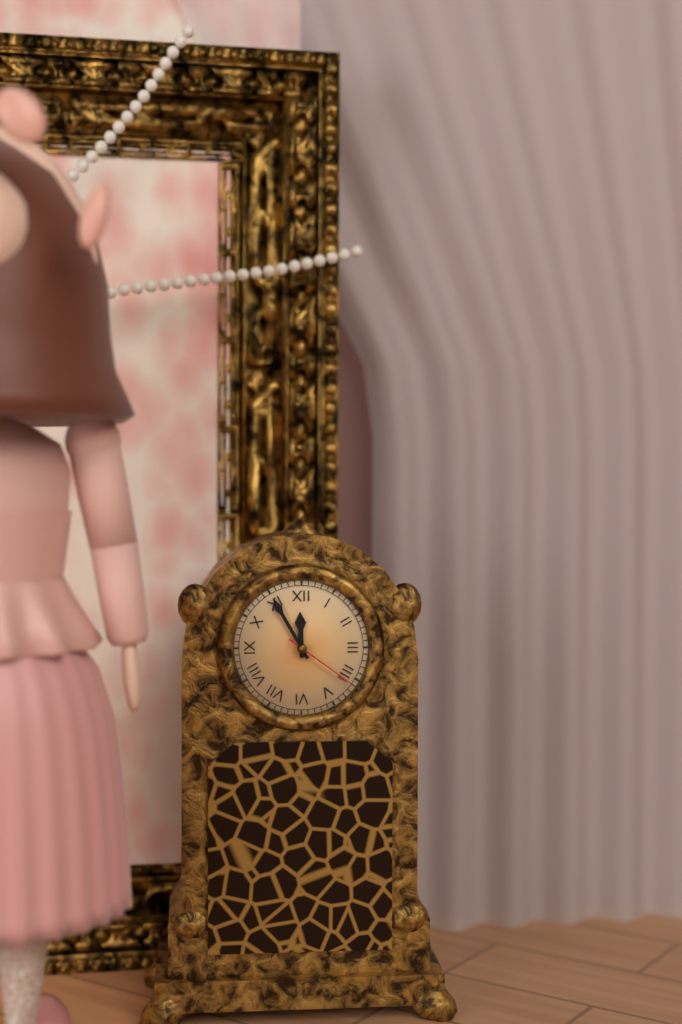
11:55:21
